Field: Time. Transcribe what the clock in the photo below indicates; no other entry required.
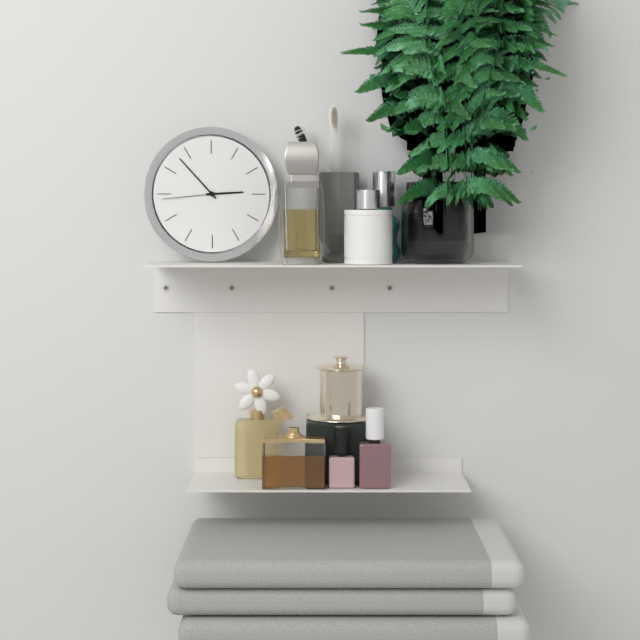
2:53:44
